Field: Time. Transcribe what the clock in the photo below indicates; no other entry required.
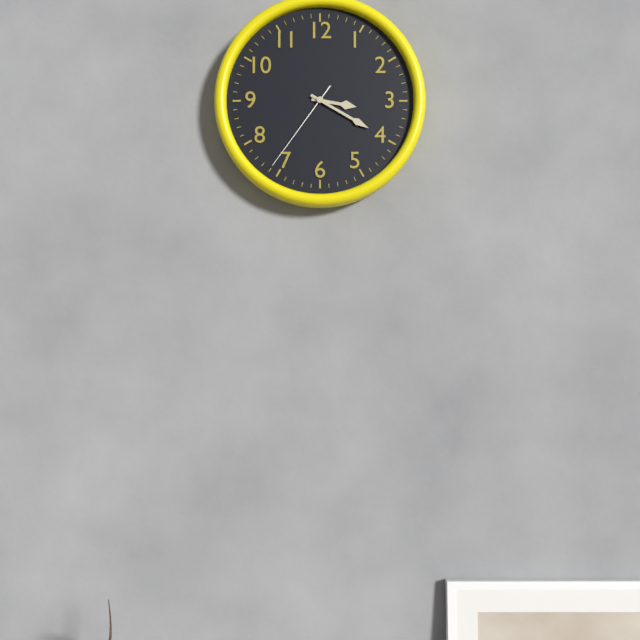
3:20:36
